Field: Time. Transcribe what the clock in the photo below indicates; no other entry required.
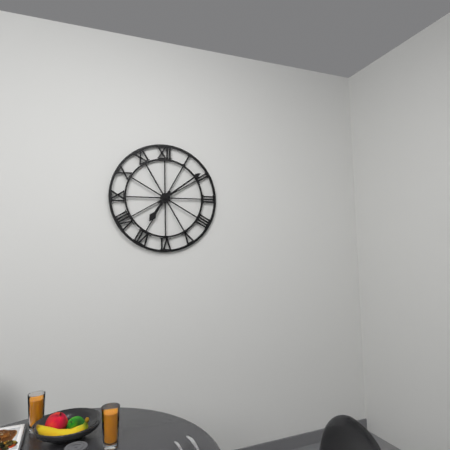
7:09
